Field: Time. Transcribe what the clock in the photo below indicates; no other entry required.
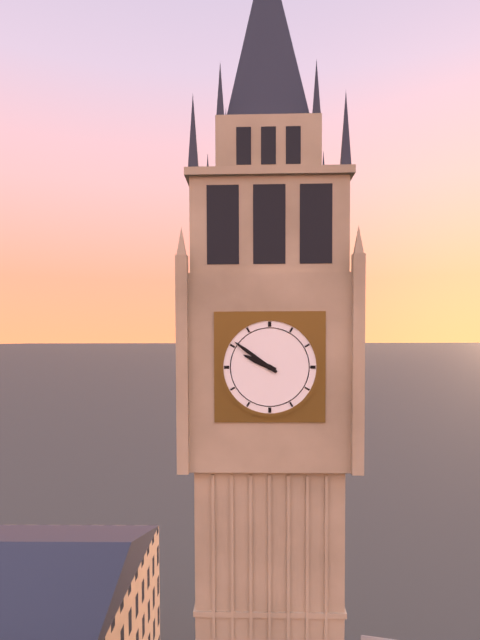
9:51
